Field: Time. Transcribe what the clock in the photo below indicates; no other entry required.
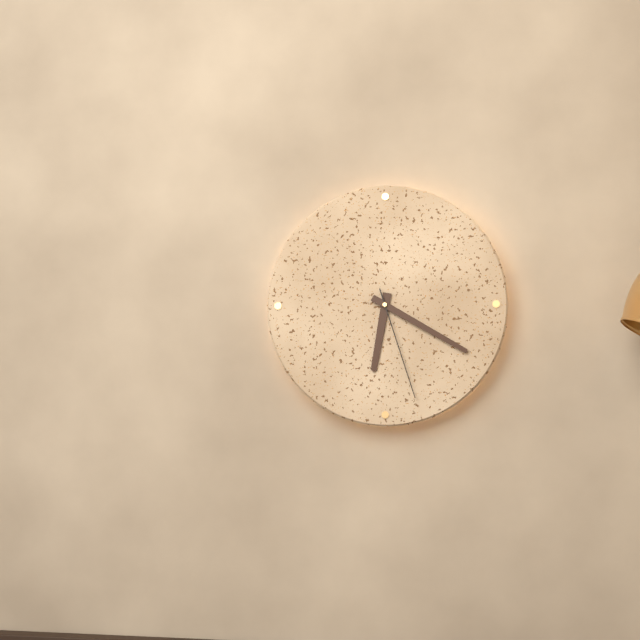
6:20:27
